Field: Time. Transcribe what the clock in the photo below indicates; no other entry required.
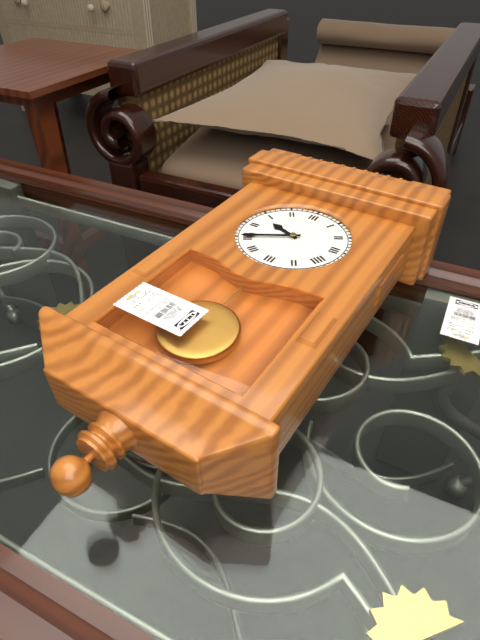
9:40
